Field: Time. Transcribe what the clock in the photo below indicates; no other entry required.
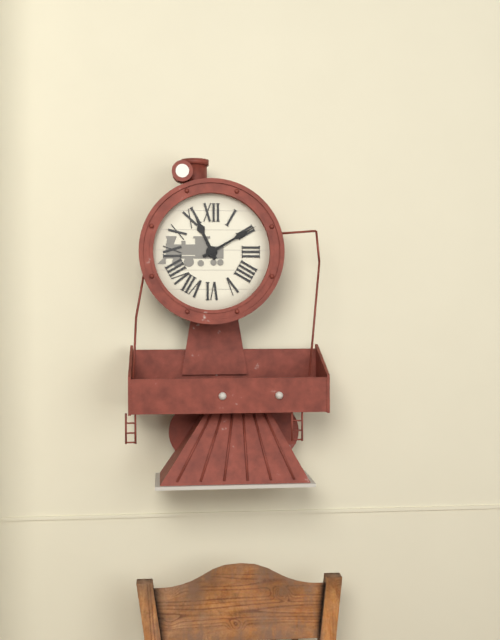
11:10
